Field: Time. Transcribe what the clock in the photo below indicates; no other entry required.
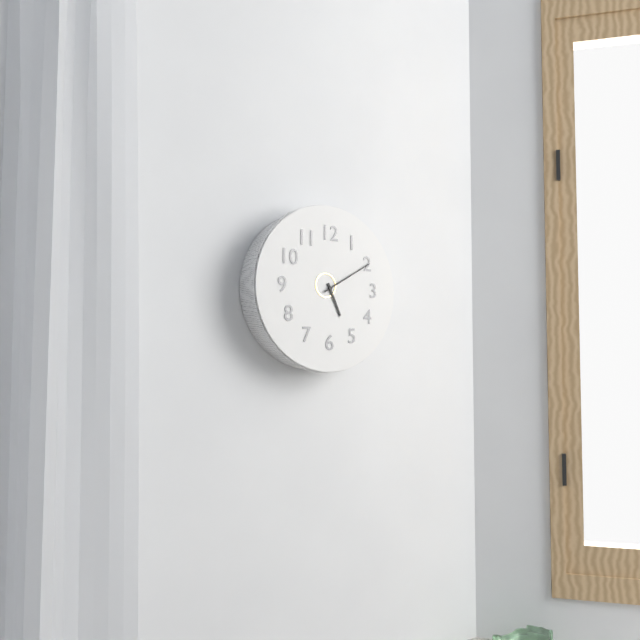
5:10
